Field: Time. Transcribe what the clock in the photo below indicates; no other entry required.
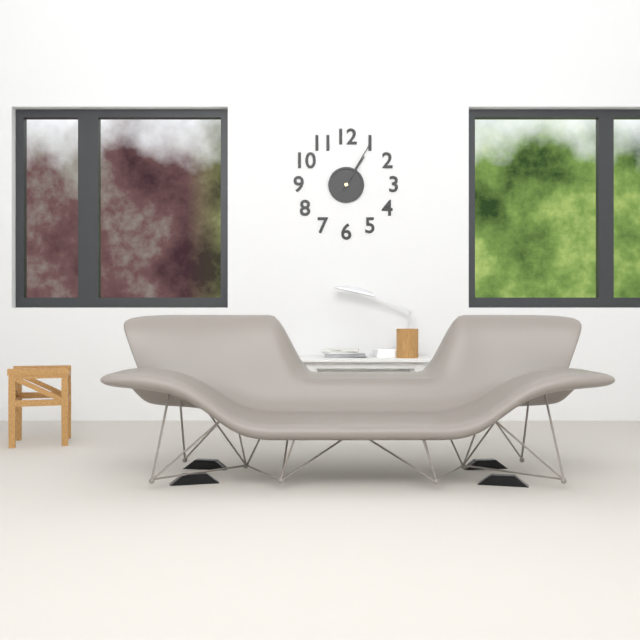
1:05
